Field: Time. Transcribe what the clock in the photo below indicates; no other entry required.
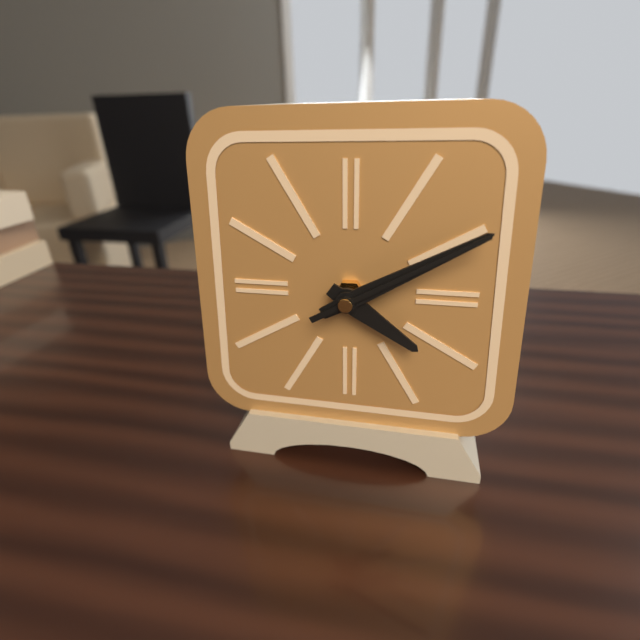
4:10:10
